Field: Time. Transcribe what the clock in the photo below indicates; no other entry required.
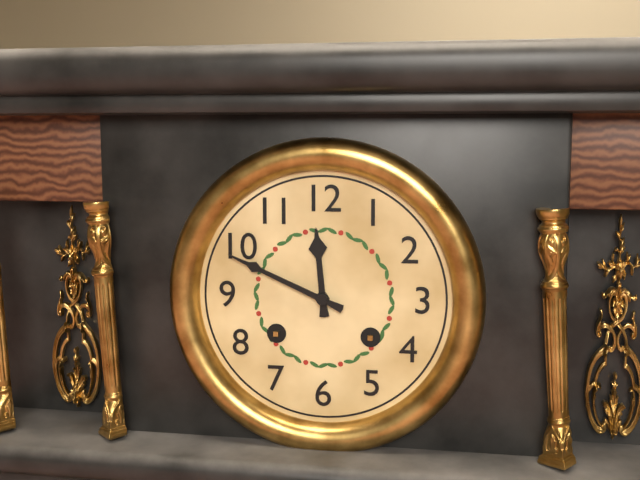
11:49
